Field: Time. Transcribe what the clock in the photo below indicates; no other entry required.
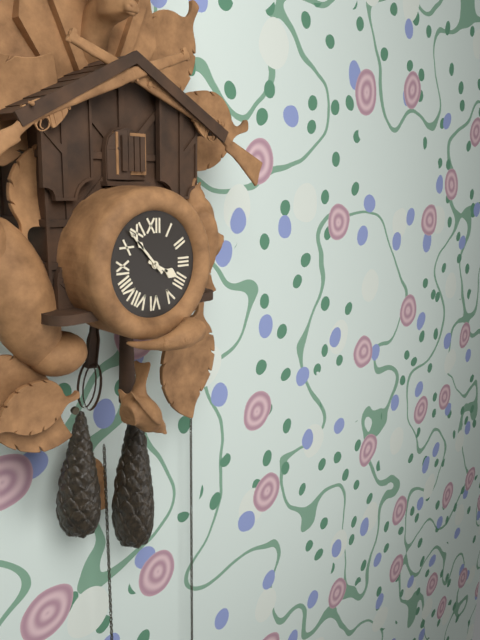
3:53
